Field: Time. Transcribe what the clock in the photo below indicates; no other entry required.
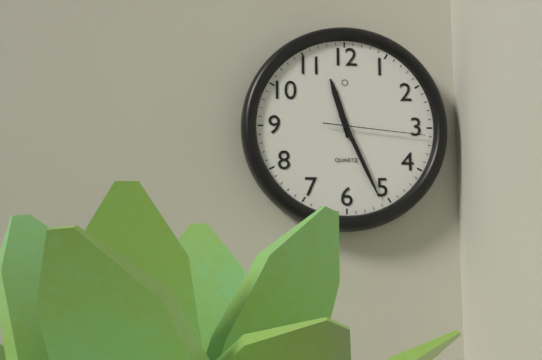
11:26:16
